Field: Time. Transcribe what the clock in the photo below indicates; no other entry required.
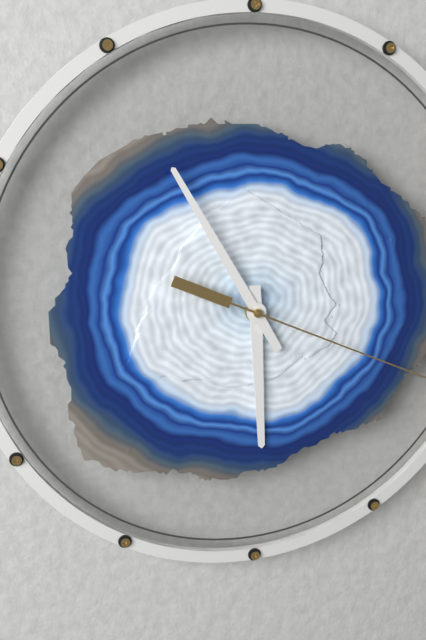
5:55
